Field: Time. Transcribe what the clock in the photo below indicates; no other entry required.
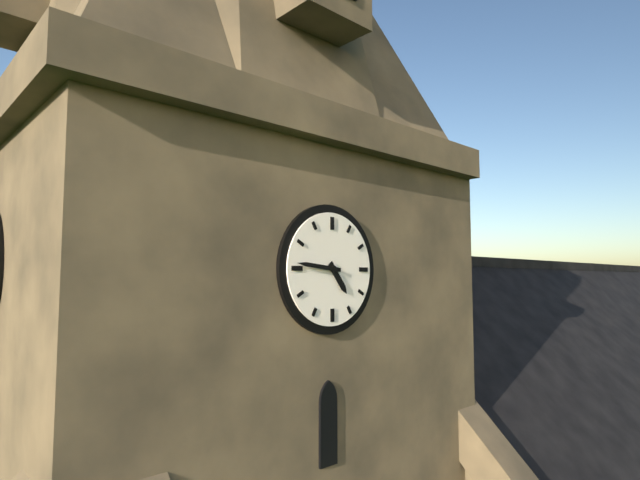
4:46
